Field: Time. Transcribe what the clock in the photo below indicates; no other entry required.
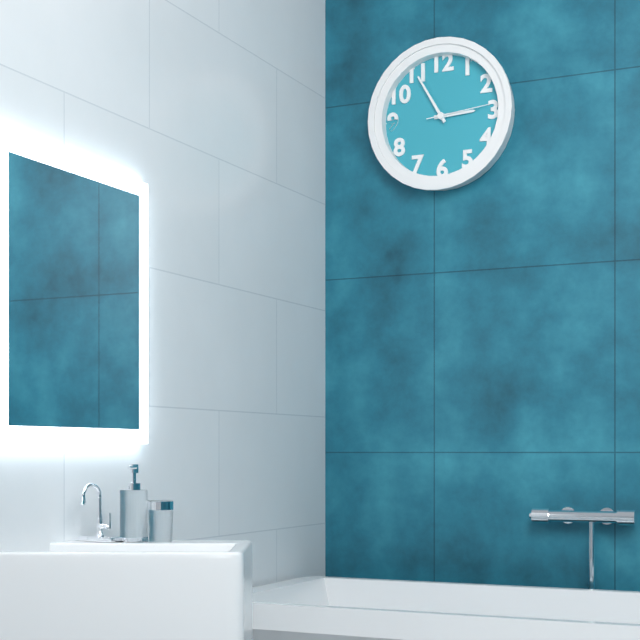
2:55:14
